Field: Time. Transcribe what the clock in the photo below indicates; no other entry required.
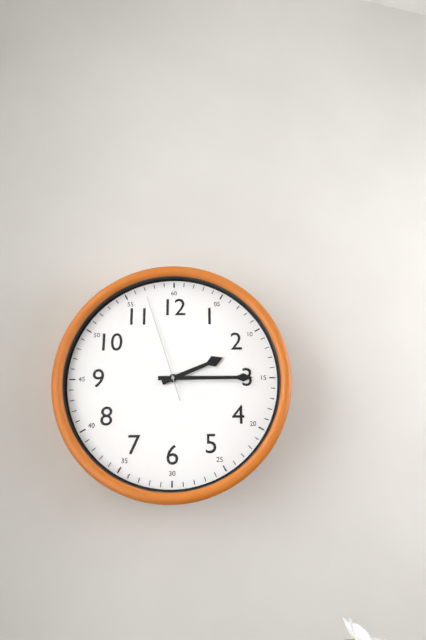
2:15:57
